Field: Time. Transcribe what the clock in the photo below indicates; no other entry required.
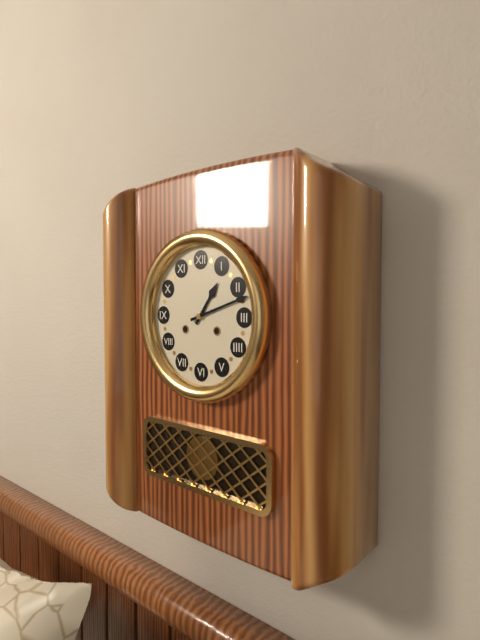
1:12
